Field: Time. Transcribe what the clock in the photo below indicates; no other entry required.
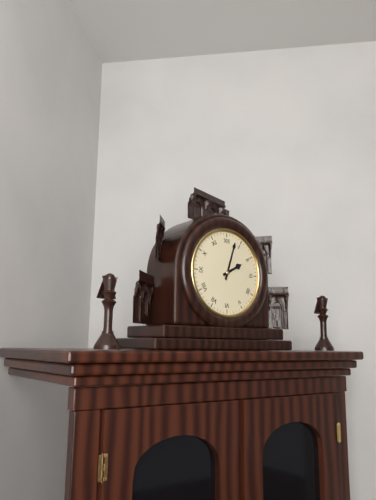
2:03
